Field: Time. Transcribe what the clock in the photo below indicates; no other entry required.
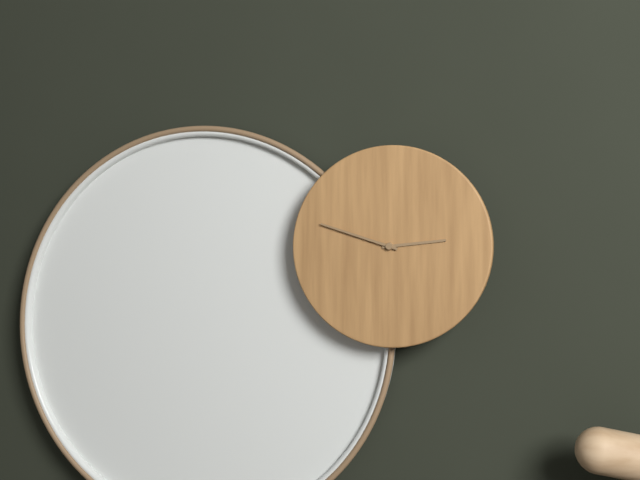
2:48
